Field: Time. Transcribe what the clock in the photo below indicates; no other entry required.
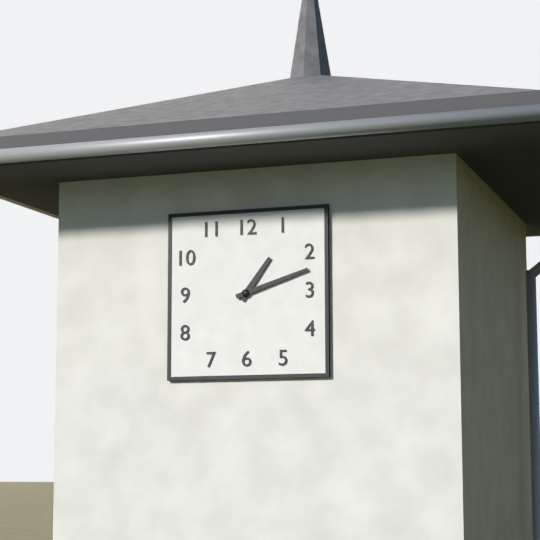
1:12
